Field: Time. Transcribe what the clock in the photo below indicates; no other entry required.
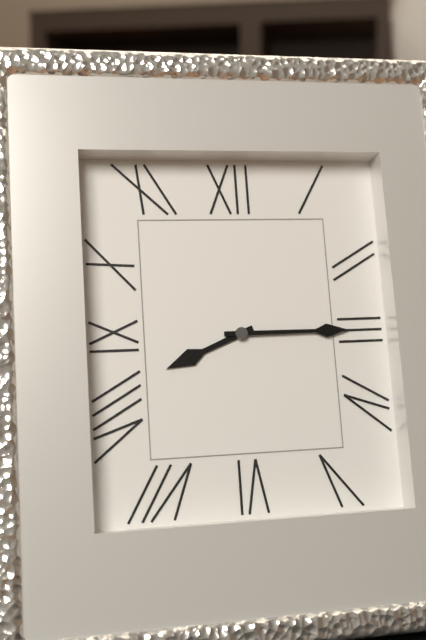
8:15
